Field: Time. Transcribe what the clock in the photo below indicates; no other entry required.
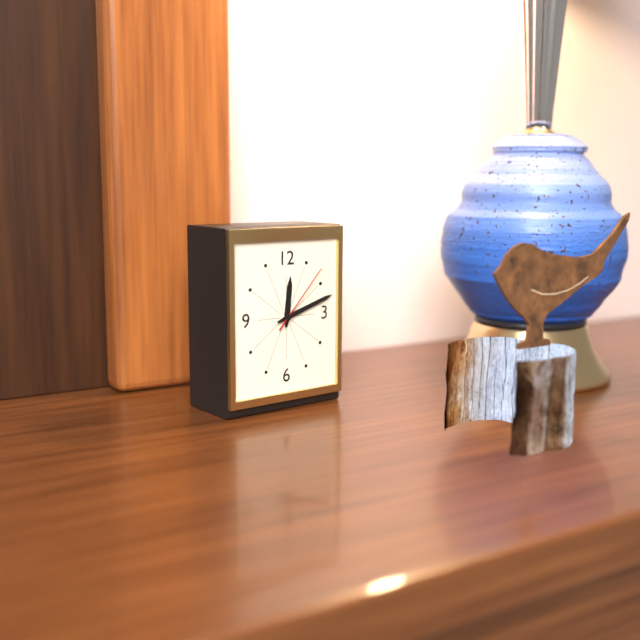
12:12:07
